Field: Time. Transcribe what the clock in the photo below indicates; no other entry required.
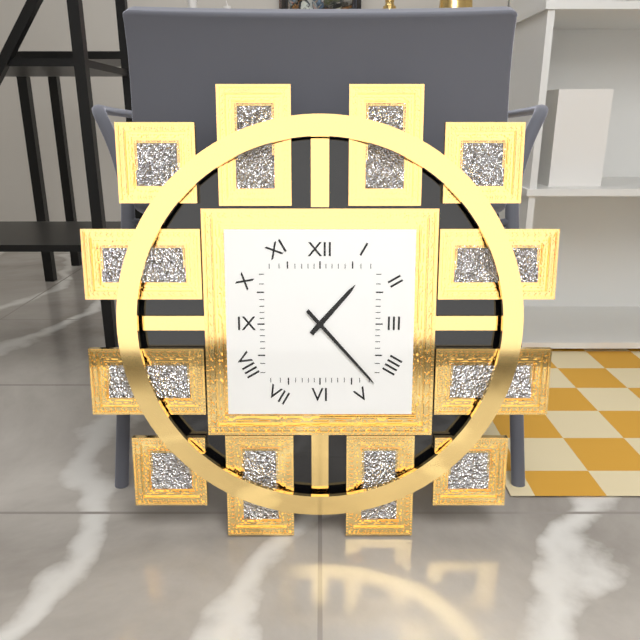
1:23
